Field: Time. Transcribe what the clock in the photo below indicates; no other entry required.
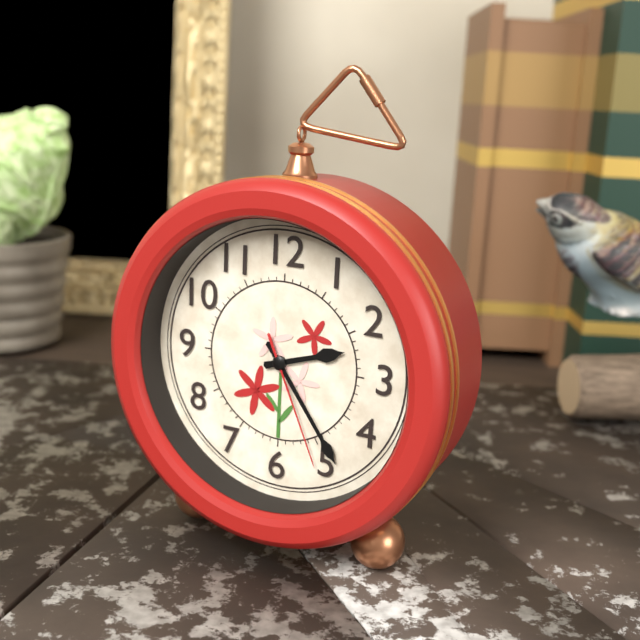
2:24:26
